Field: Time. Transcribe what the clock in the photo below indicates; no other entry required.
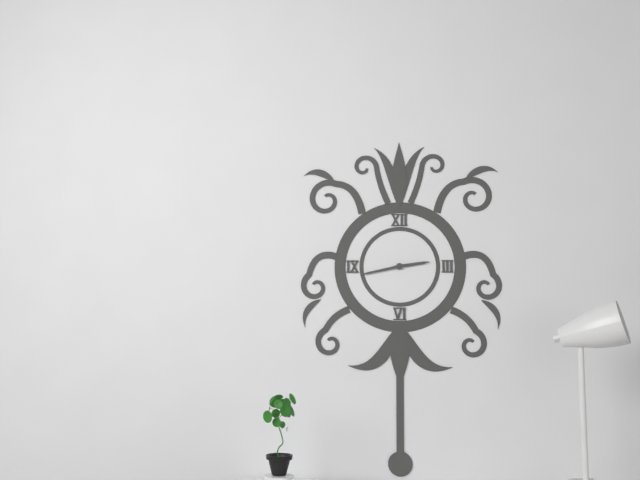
2:43
